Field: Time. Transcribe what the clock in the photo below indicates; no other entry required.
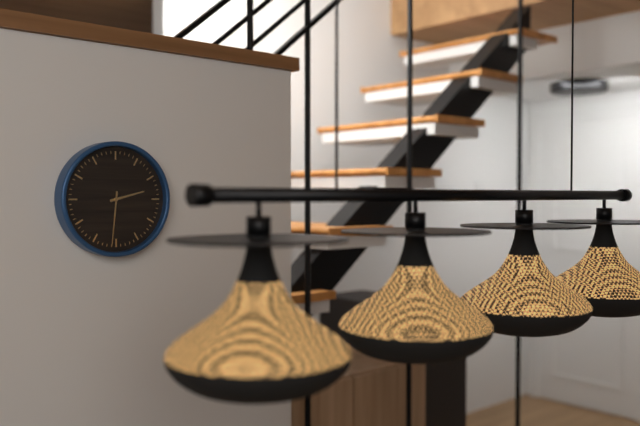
2:31
